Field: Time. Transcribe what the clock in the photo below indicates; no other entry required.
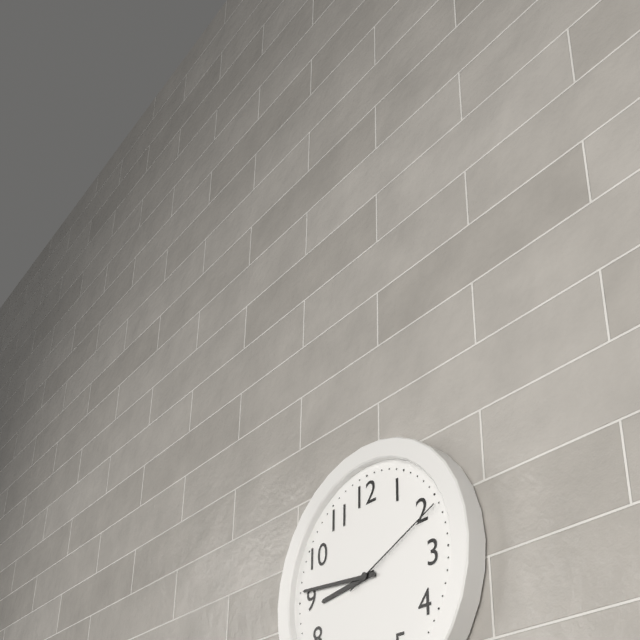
8:46:11
